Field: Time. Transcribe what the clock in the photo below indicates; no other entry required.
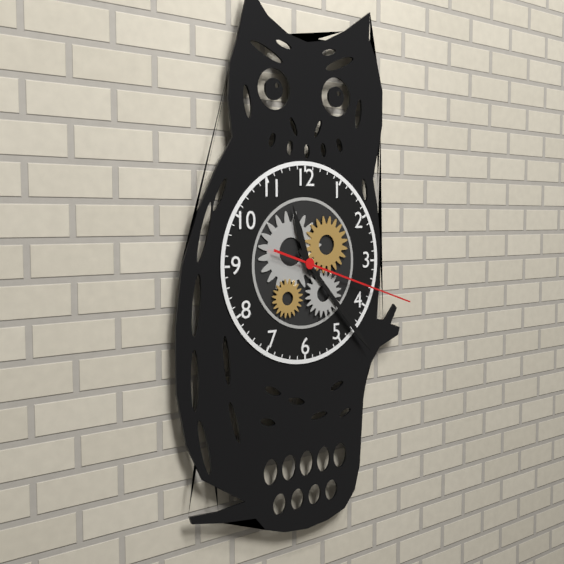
11:23:18
